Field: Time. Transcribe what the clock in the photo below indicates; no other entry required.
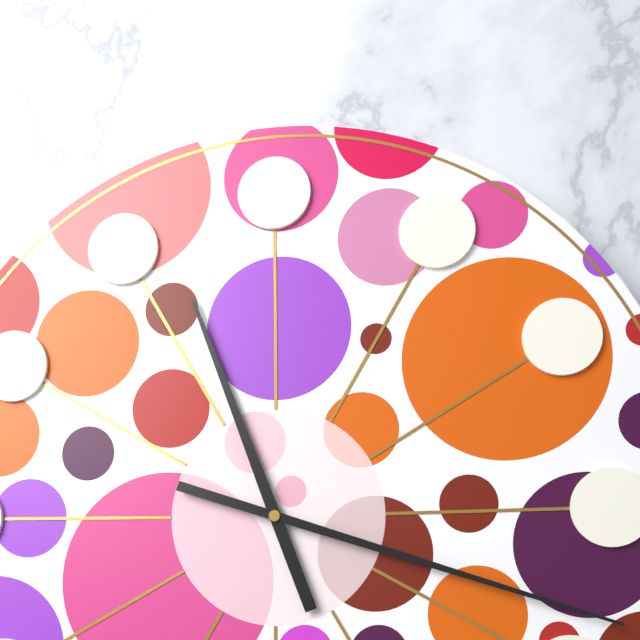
11:18
